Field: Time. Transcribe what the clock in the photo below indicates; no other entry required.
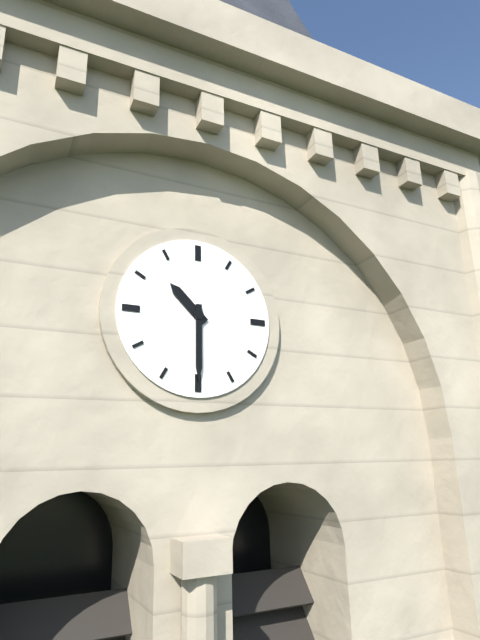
10:30
